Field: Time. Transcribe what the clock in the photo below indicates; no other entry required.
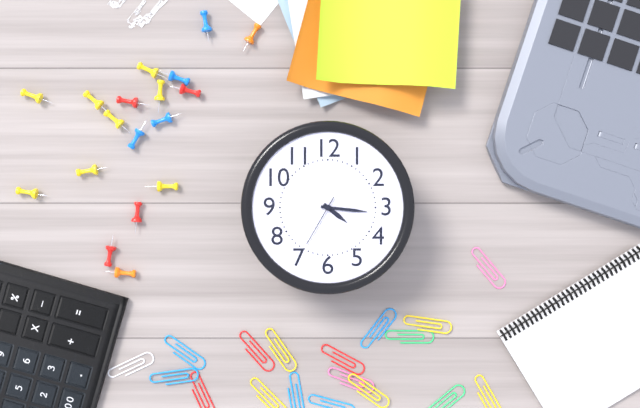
4:16:35
